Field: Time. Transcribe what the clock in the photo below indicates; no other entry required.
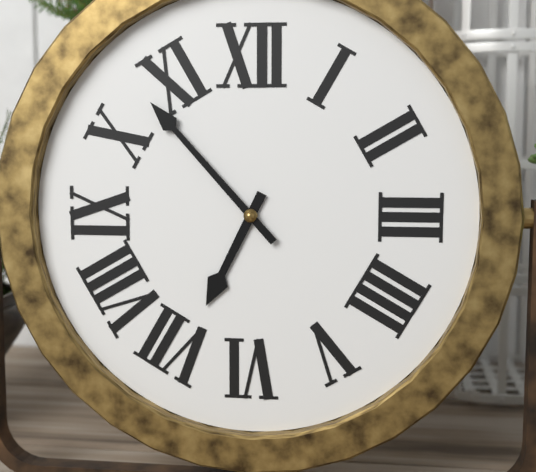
6:53
